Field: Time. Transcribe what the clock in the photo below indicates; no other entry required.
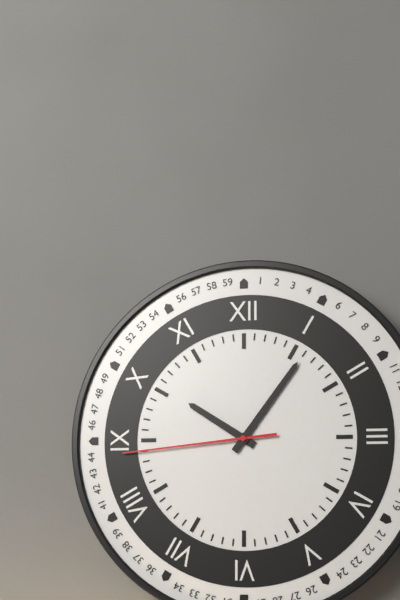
10:06:44
